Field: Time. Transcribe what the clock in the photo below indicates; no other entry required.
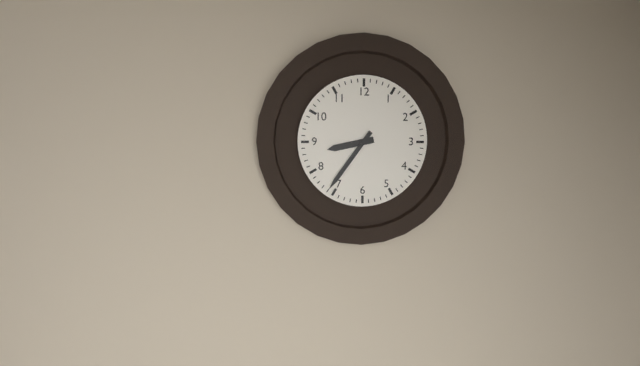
8:36
